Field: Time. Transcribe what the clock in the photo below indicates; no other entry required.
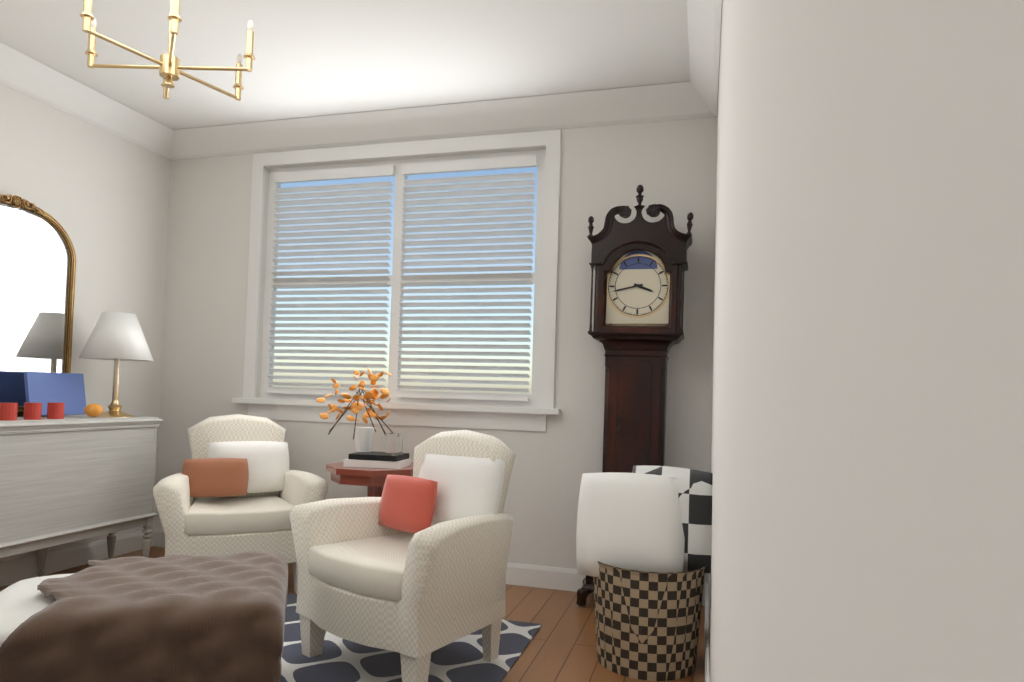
3:43
